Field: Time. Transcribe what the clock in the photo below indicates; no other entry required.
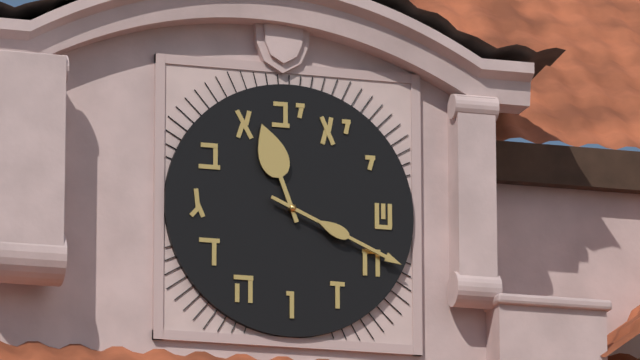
11:19
